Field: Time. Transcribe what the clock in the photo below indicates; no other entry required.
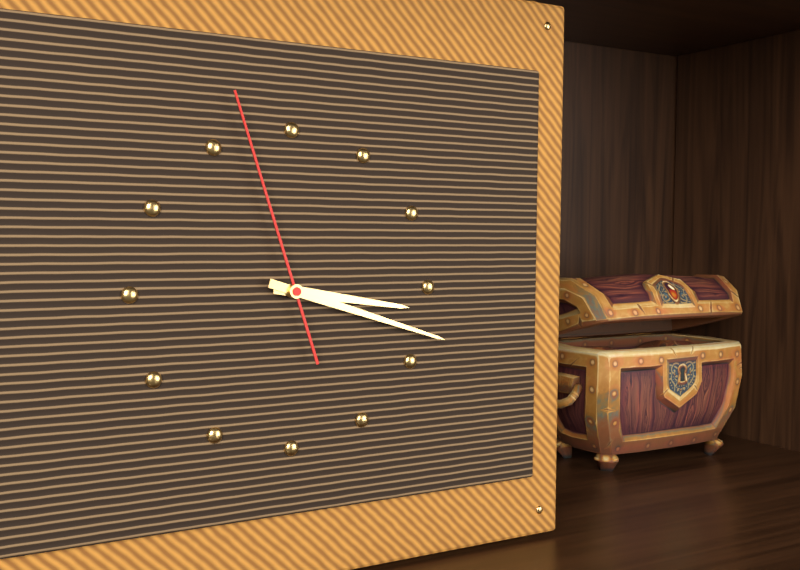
3:18:57
